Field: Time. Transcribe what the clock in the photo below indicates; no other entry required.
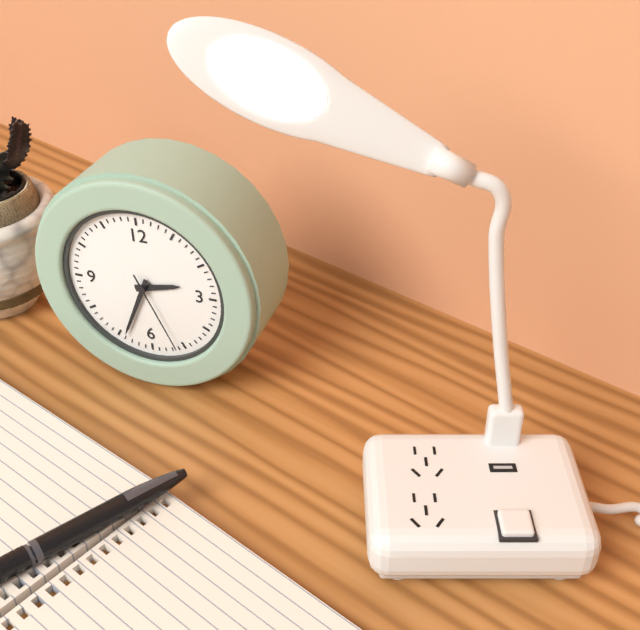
2:34:26
